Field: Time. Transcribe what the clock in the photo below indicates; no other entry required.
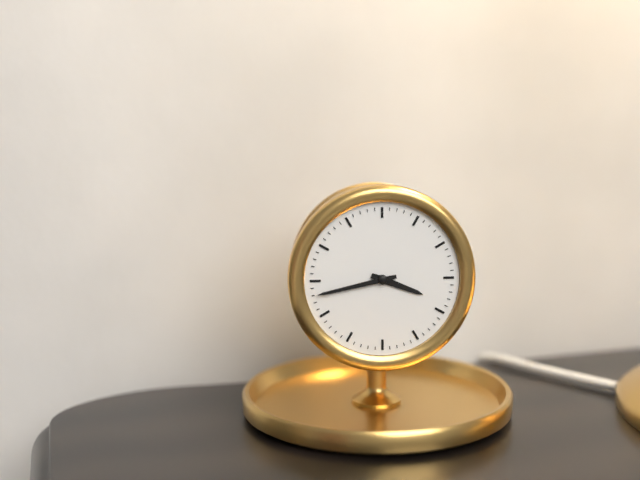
3:43
